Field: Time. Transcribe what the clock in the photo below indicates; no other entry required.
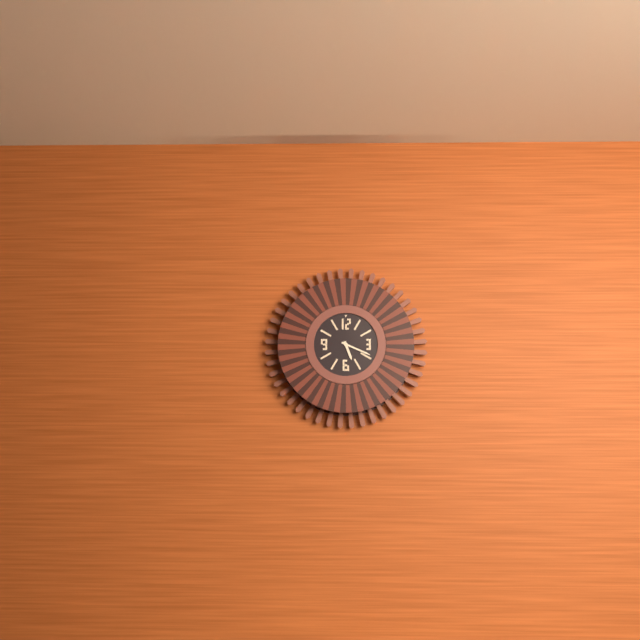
5:19
